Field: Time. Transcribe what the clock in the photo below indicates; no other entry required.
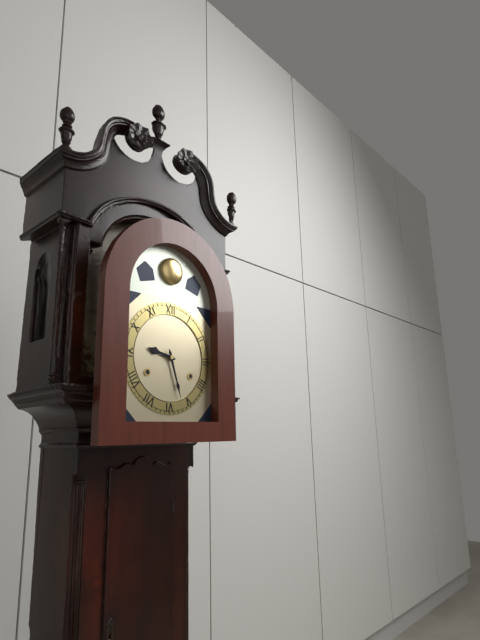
9:27
